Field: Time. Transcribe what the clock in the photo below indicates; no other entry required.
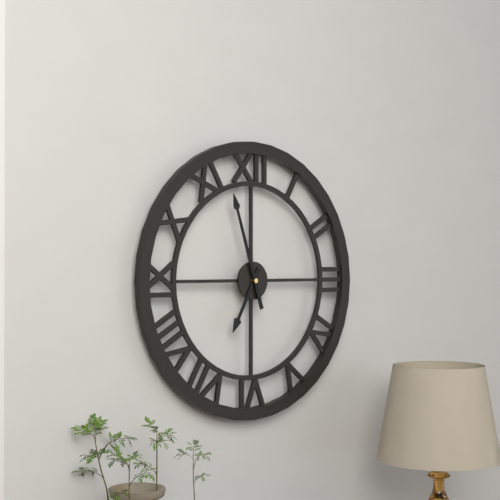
6:57
